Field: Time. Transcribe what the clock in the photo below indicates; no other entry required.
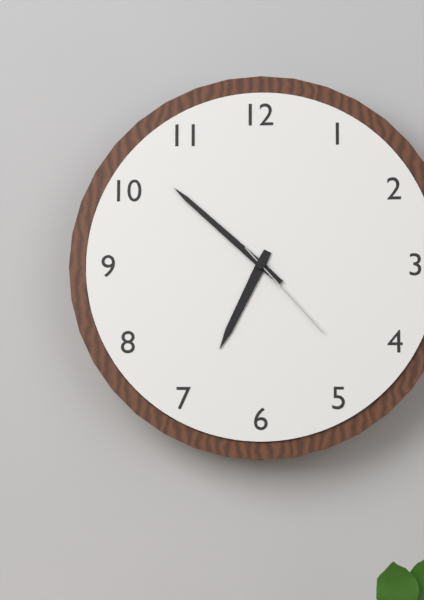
6:52:23
